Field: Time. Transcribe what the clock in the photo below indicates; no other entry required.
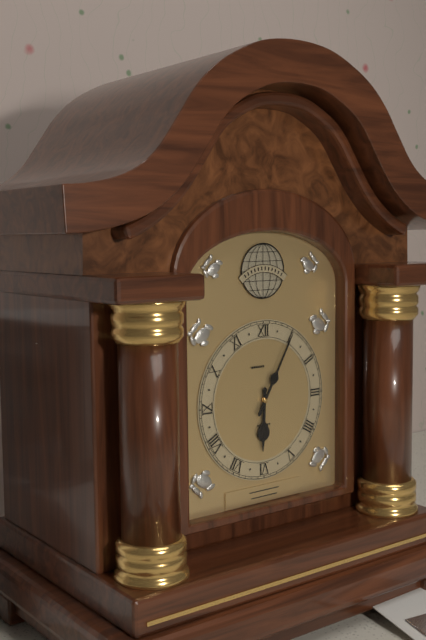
6:05
